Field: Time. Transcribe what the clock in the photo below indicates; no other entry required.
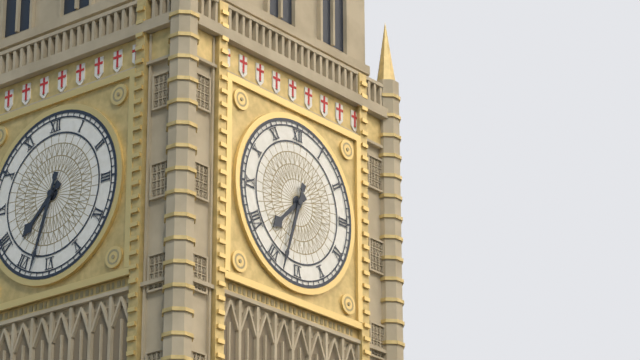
7:33
